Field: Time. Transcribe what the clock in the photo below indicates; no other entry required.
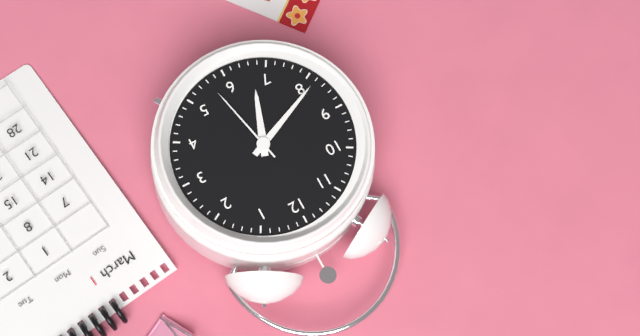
6:41:28
